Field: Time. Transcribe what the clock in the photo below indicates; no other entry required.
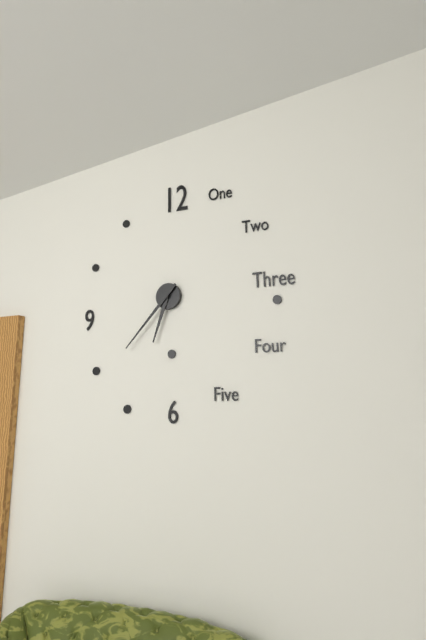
6:37
